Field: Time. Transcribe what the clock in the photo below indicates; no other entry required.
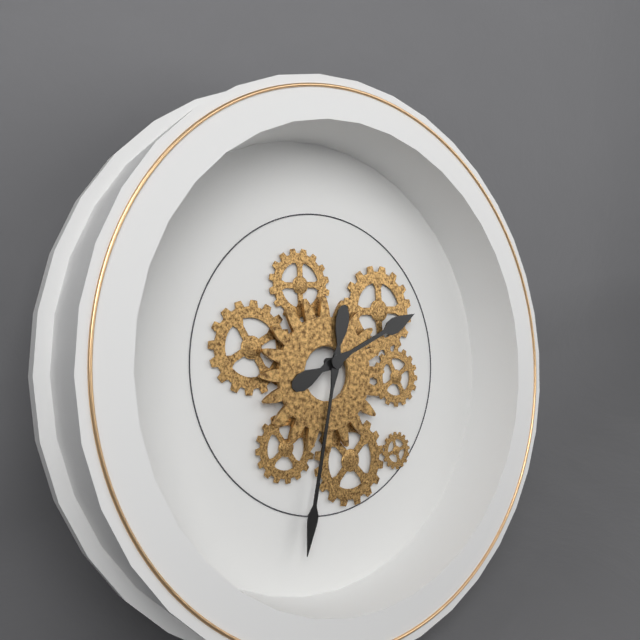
2:34
